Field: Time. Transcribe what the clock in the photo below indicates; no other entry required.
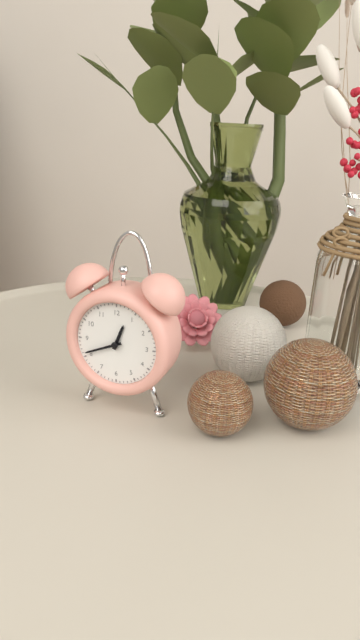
12:41
